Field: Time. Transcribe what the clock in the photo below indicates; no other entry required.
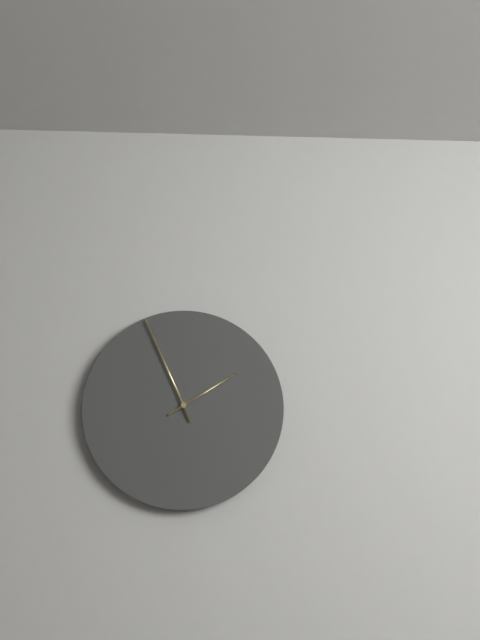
1:56
